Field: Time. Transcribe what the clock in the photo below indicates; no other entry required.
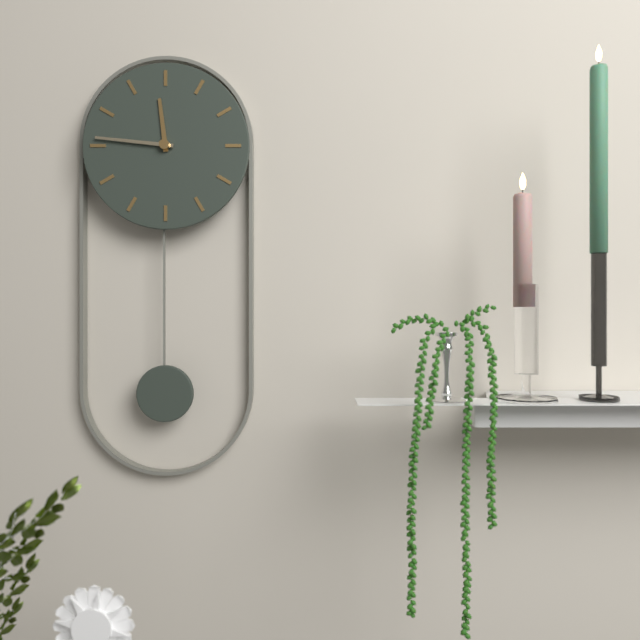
11:46
